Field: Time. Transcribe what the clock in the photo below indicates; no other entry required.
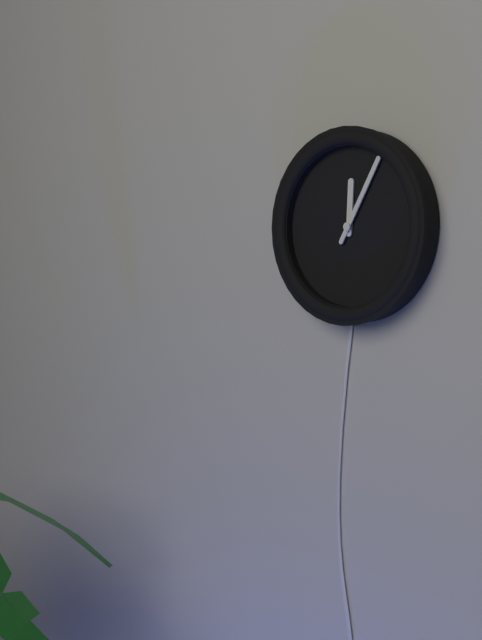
12:05
